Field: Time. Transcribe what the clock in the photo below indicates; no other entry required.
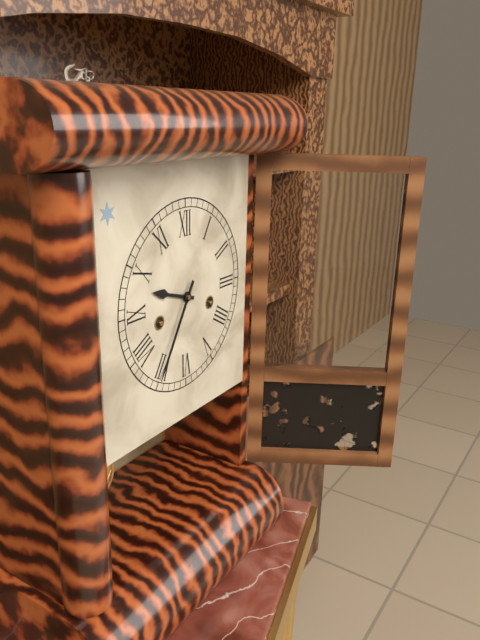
9:35
